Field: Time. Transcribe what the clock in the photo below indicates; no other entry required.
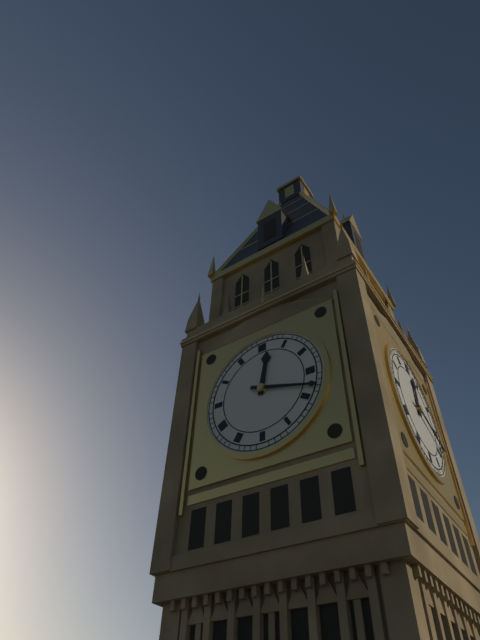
12:18
